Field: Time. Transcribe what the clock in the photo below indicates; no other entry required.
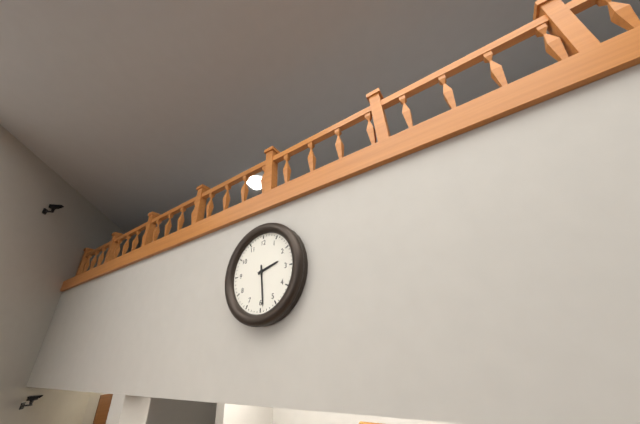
2:29
